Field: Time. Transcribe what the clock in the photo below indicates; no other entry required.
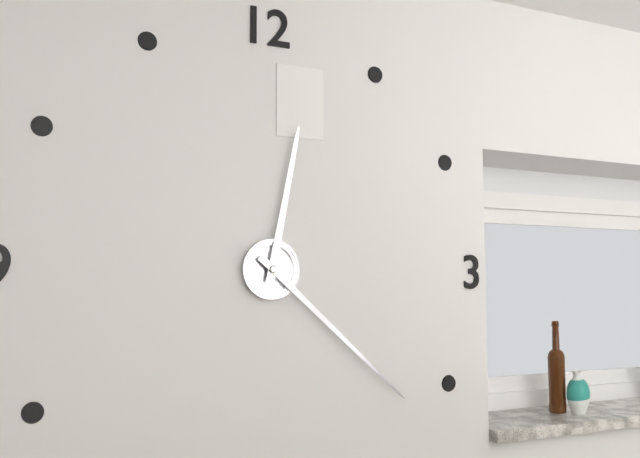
12:22
